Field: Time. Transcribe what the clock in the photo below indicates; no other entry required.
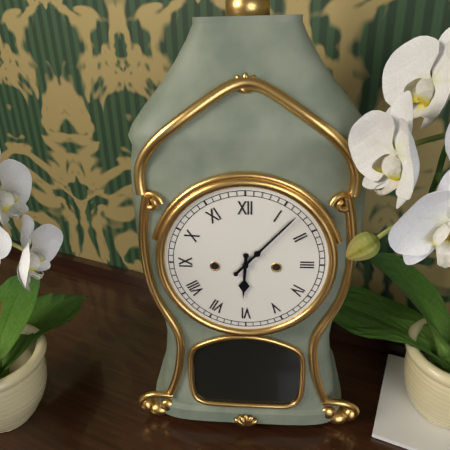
6:07
